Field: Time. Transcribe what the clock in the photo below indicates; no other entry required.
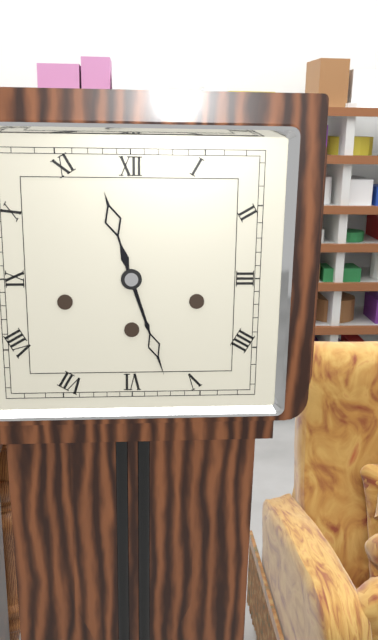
11:27
